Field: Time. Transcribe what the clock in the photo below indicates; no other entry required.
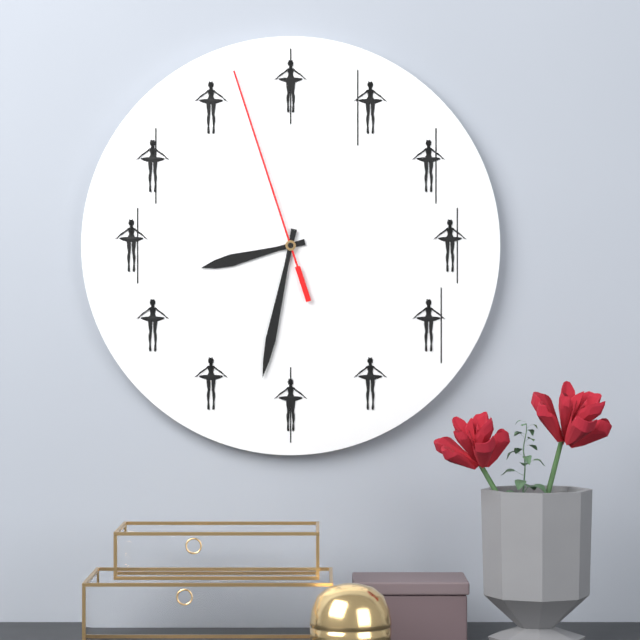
8:32:57
